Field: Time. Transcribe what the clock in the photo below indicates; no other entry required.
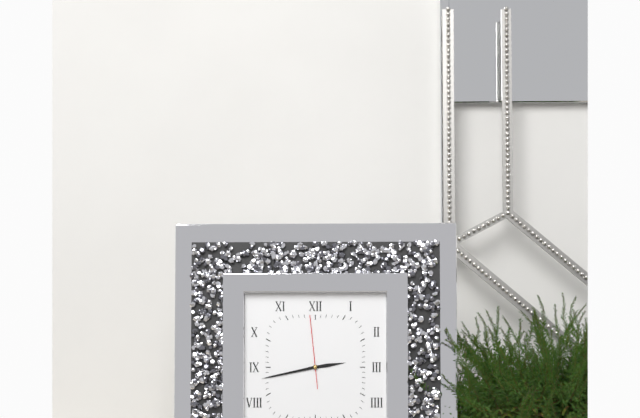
2:43:59
